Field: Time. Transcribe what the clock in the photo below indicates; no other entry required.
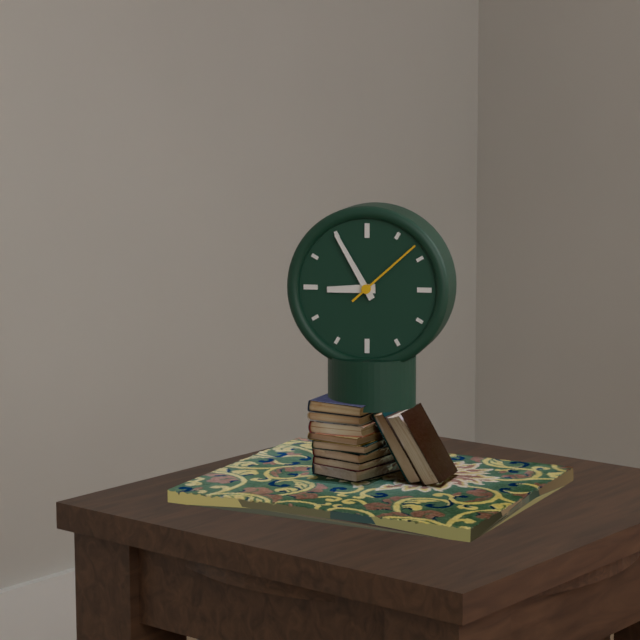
8:55:08
